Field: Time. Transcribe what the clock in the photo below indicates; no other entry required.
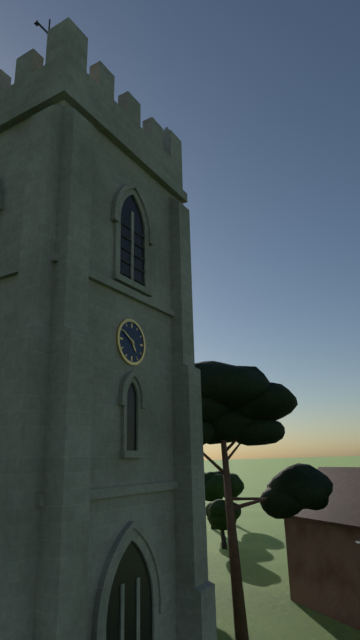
4:50
